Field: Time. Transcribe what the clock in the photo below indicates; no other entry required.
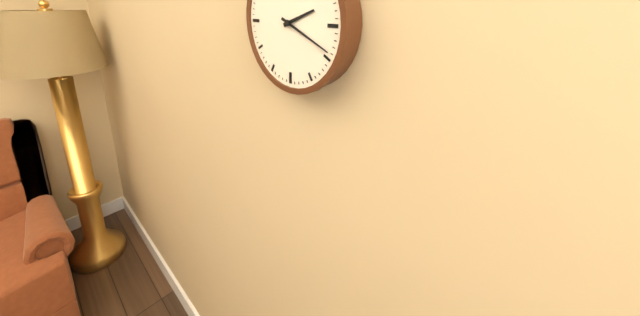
2:19
